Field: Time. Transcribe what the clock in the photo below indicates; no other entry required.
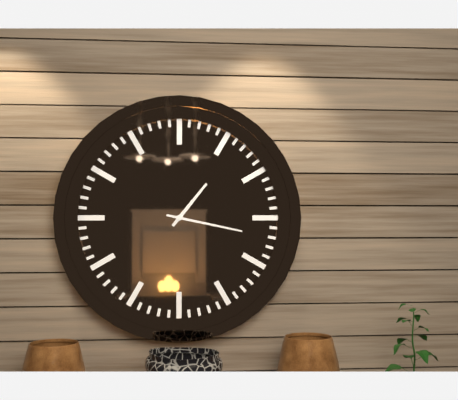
1:17
